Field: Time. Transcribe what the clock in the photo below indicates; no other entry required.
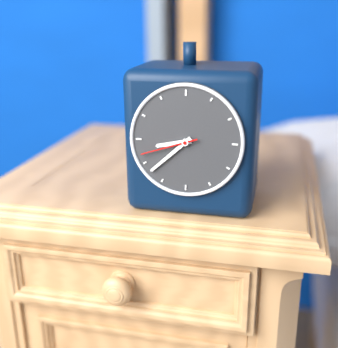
8:38:42
